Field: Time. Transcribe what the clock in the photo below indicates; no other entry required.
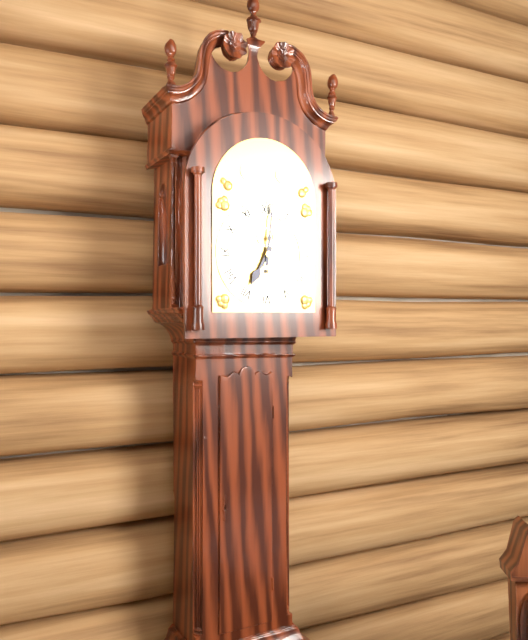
7:01
